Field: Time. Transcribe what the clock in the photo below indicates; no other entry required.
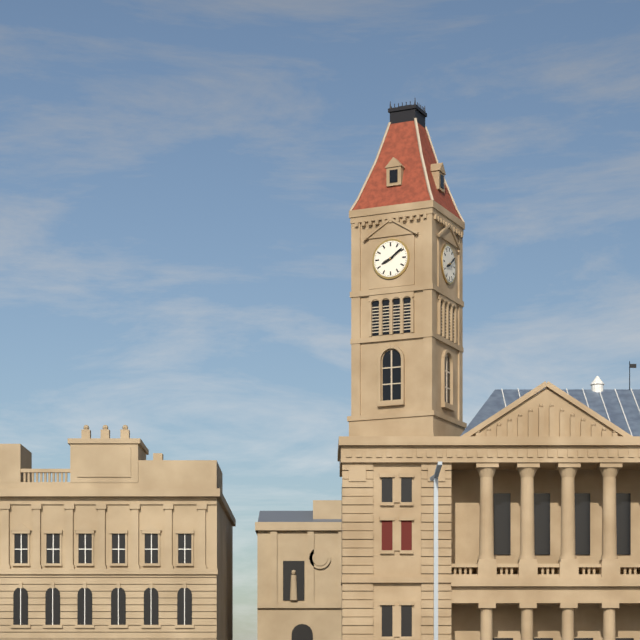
8:09
